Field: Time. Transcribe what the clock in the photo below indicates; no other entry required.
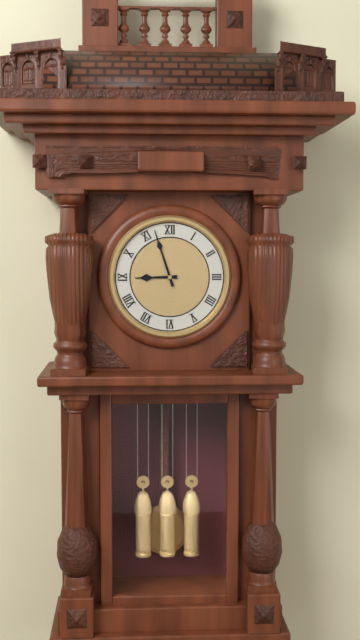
8:57
